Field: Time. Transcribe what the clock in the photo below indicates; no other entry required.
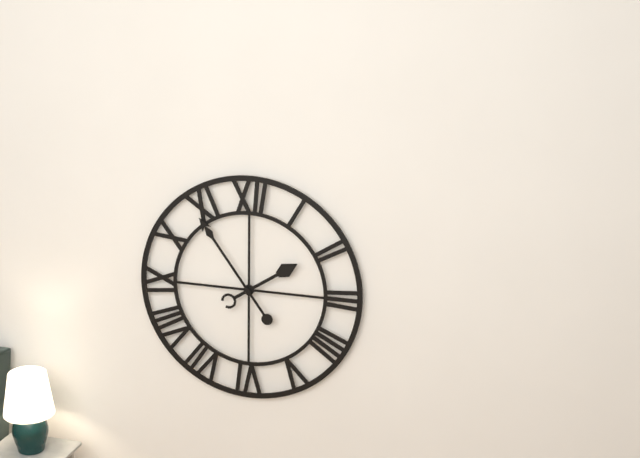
1:54
